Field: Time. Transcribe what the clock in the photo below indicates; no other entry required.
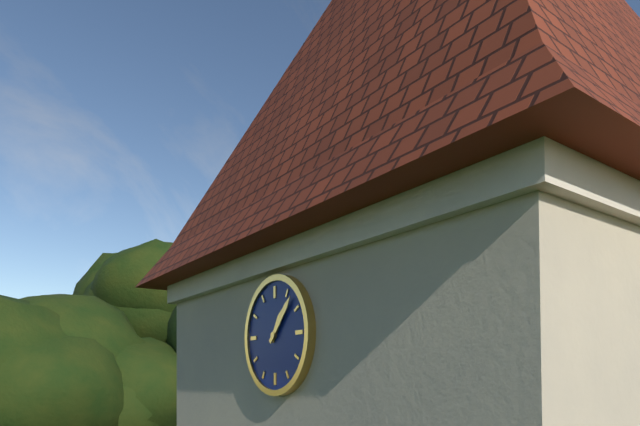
1:07
